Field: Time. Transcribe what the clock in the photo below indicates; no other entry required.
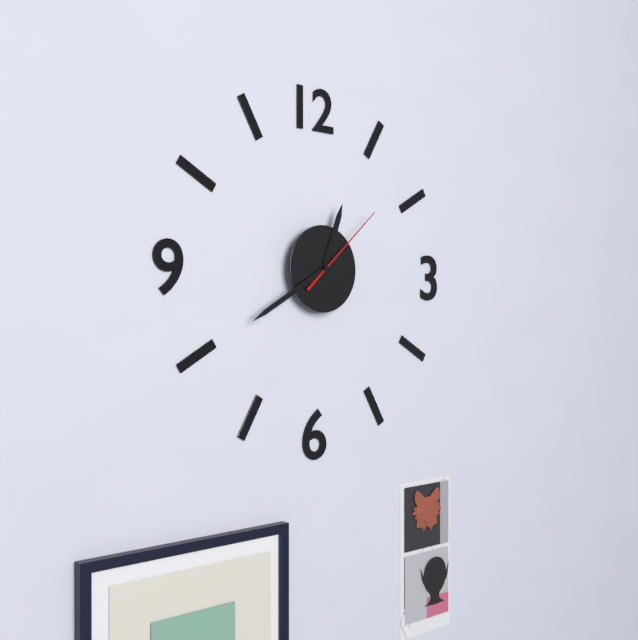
12:40:08
